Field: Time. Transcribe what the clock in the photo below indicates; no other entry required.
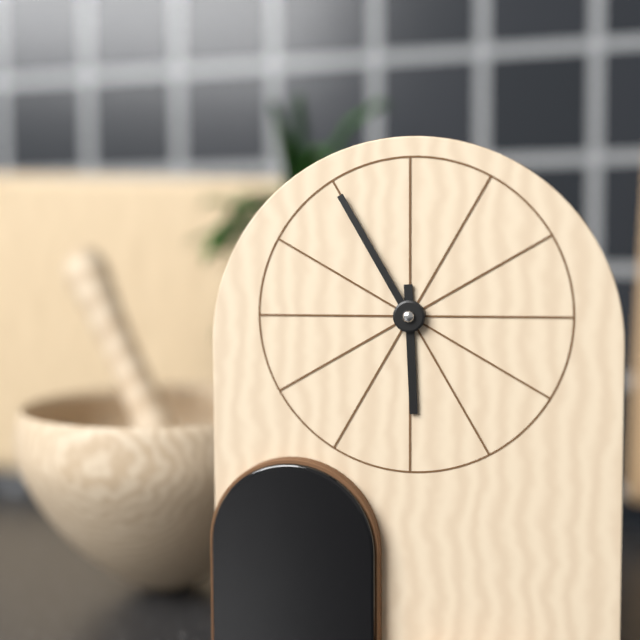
5:55
